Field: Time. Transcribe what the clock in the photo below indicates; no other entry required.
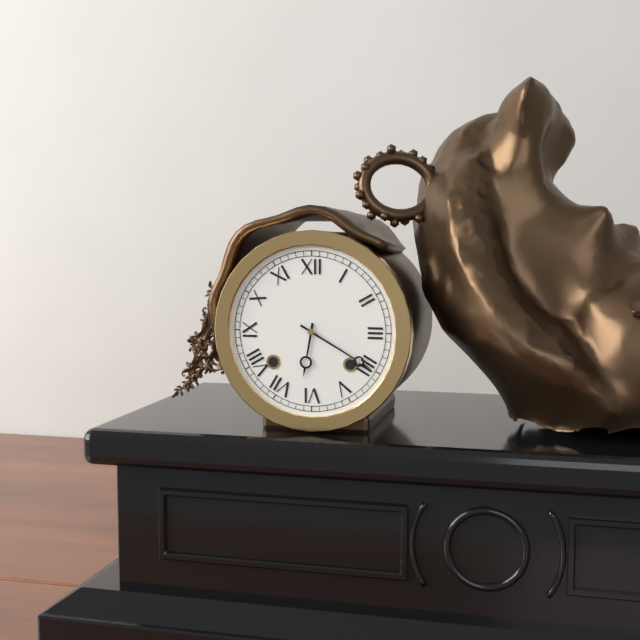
6:20
